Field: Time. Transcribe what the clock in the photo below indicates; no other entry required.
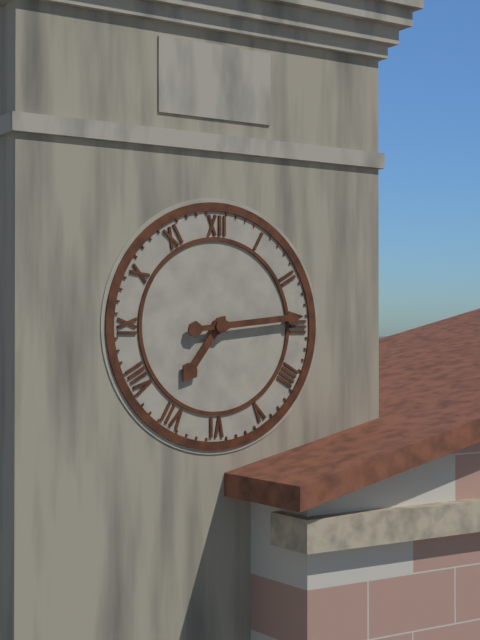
7:14
